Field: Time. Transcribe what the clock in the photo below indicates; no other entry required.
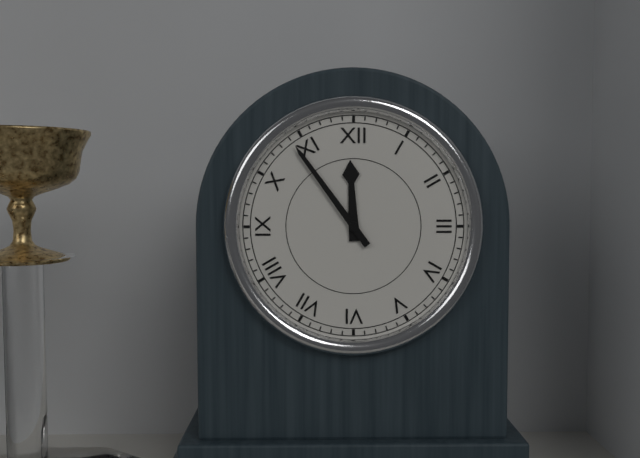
11:54
